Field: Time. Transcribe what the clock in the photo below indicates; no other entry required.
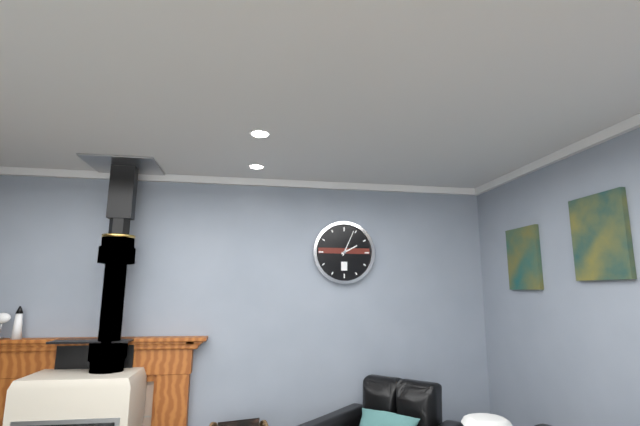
2:04
